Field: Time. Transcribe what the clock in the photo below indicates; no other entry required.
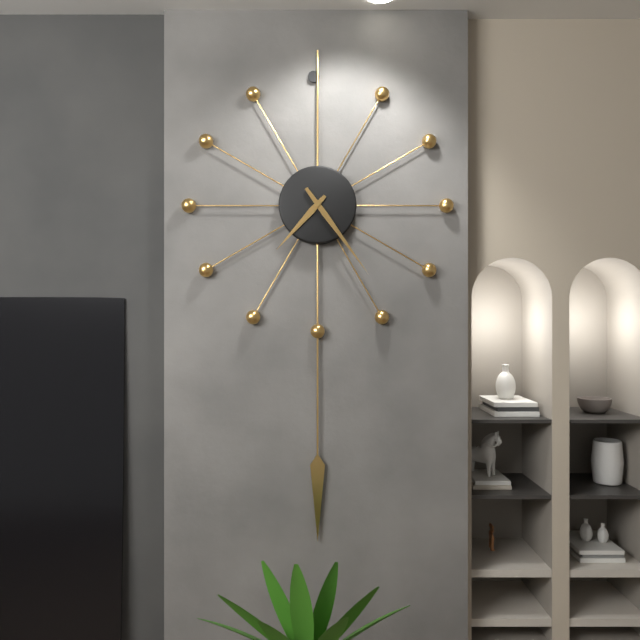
7:24
